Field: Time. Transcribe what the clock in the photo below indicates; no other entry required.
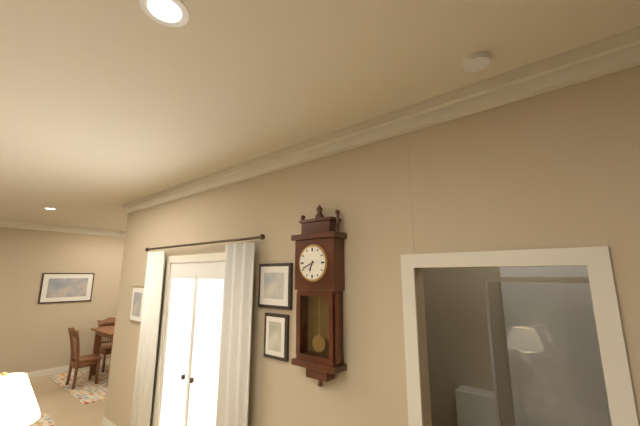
6:41
